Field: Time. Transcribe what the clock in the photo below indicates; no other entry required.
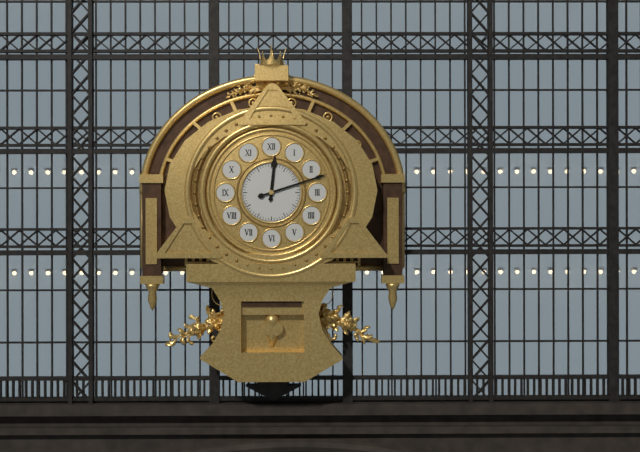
12:12
